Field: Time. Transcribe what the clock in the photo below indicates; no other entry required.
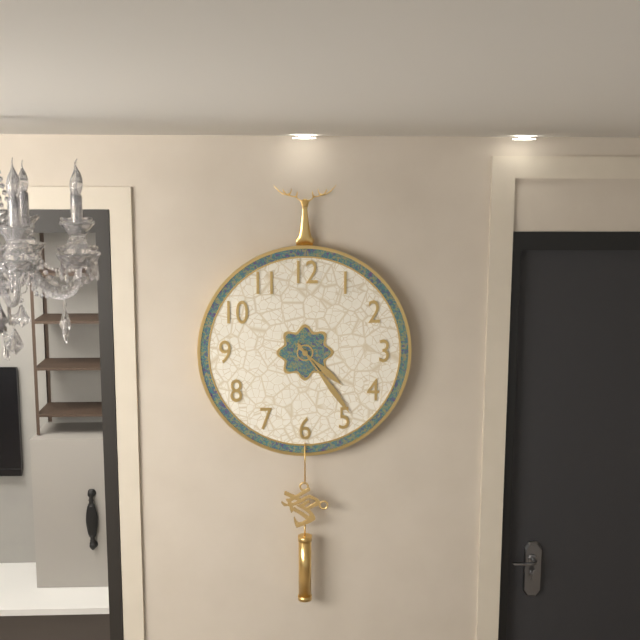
4:24
